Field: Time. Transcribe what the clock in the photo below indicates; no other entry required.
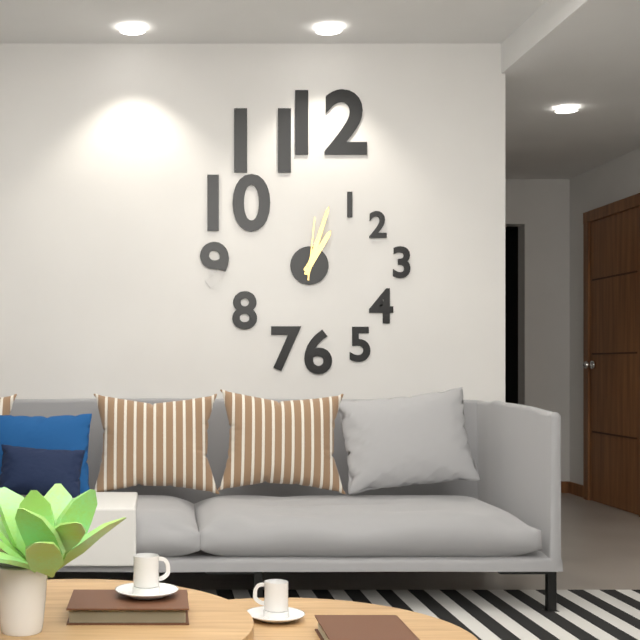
1:03:01
